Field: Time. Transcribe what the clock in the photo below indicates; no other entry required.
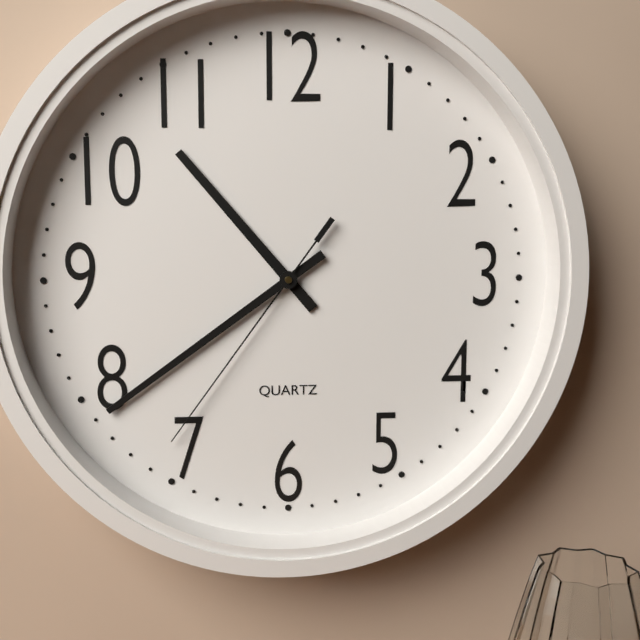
10:39:36
